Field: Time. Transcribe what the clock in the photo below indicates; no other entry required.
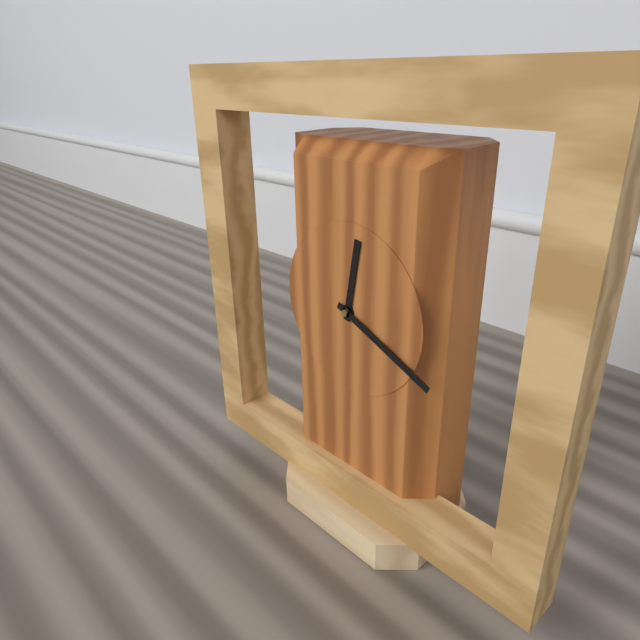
12:19
